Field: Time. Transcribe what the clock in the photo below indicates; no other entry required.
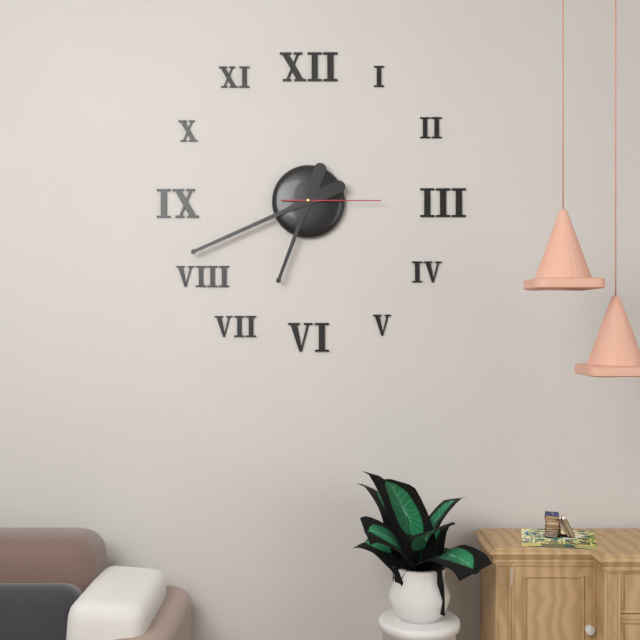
6:41:15
